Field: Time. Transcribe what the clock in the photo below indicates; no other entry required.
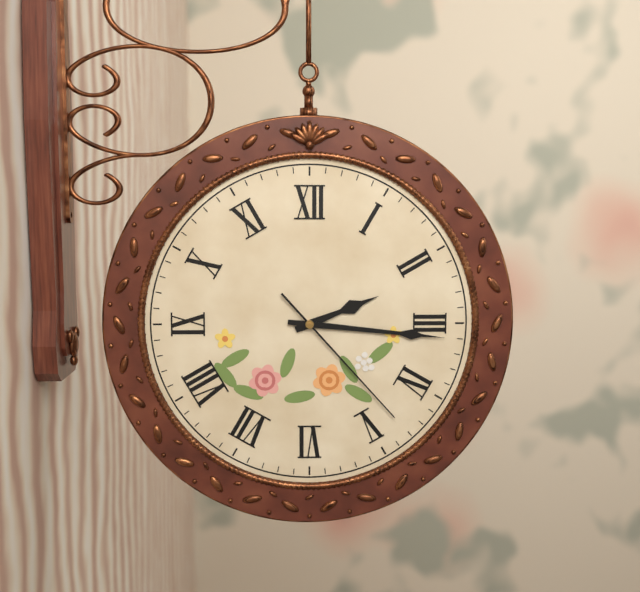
2:16:23
